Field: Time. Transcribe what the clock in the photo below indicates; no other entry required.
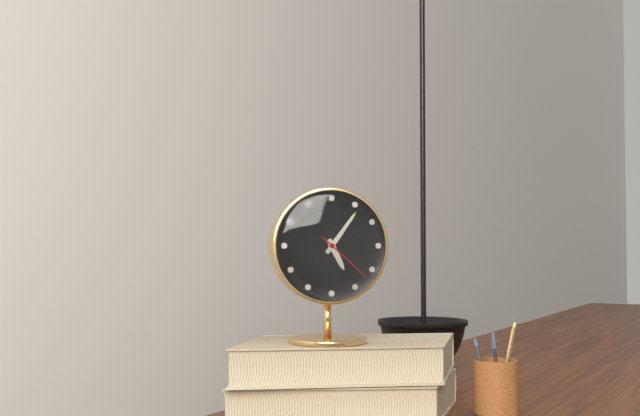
5:06:22
